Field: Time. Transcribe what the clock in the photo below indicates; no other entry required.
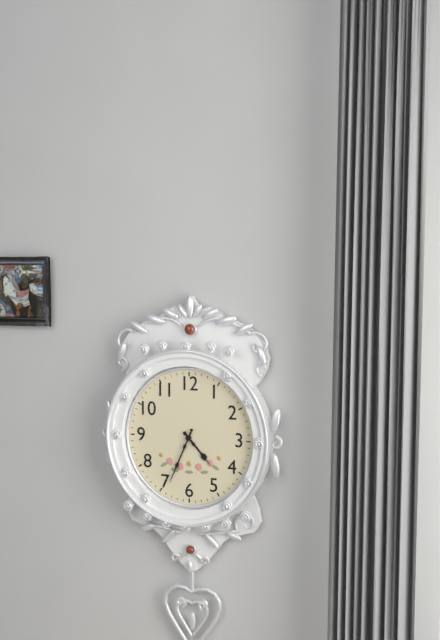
4:34
